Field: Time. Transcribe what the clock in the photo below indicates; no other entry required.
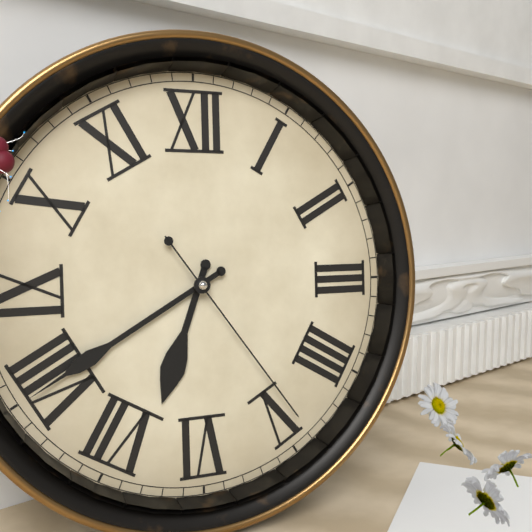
6:40:24
